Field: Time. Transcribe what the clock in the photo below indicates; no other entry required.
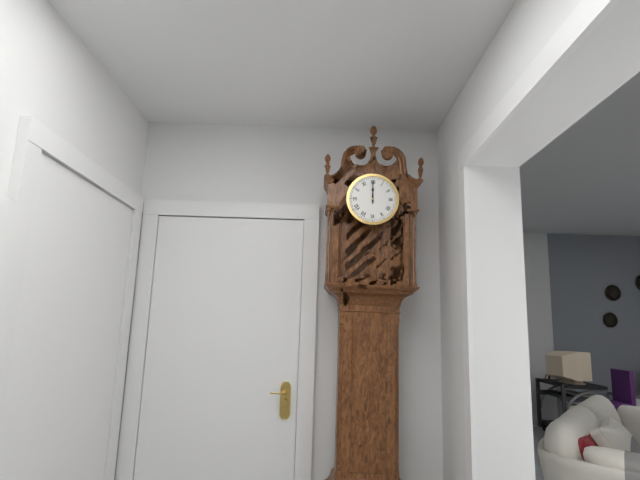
12:00
